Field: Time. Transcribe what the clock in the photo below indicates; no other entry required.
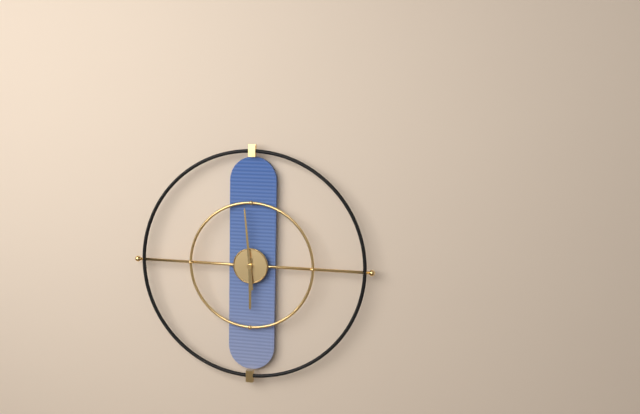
5:59
